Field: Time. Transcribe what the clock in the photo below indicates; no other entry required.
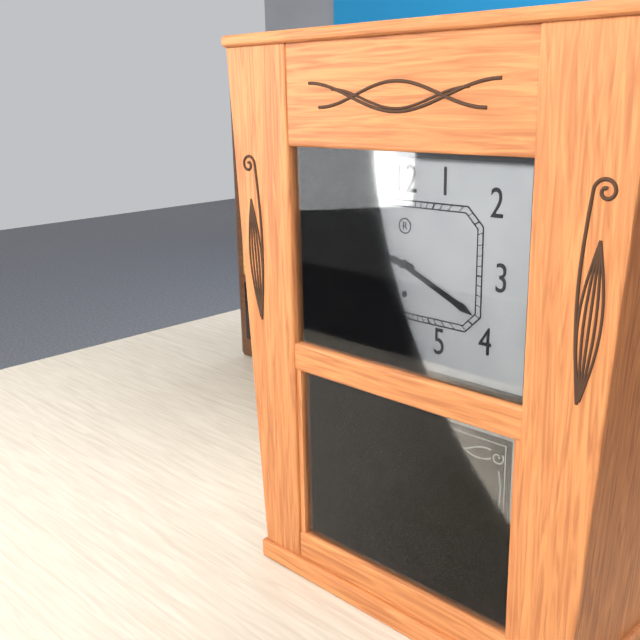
9:19
